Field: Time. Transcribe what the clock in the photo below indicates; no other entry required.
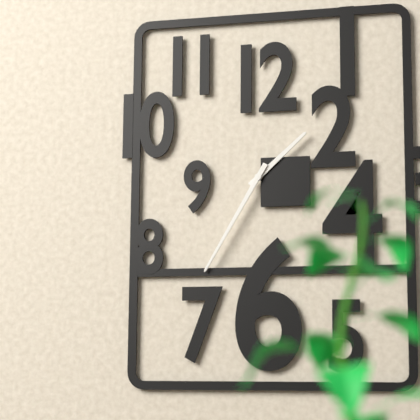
1:35
